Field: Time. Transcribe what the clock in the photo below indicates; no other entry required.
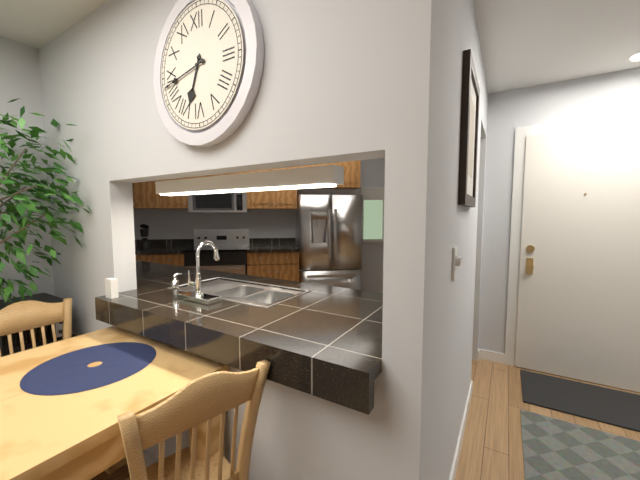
6:43
